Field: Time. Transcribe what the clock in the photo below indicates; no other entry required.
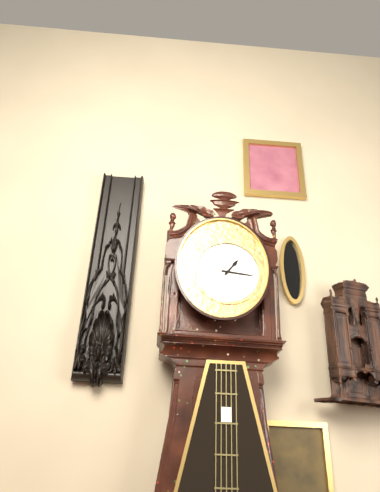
1:16
